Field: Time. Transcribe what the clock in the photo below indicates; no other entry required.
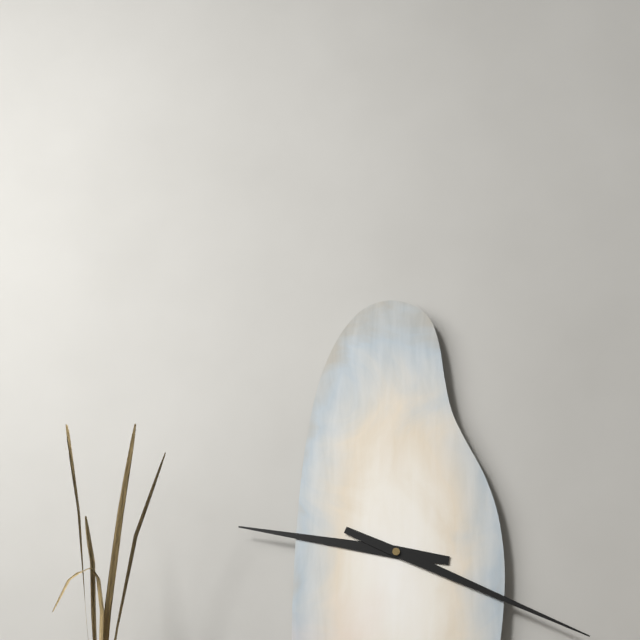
9:19
